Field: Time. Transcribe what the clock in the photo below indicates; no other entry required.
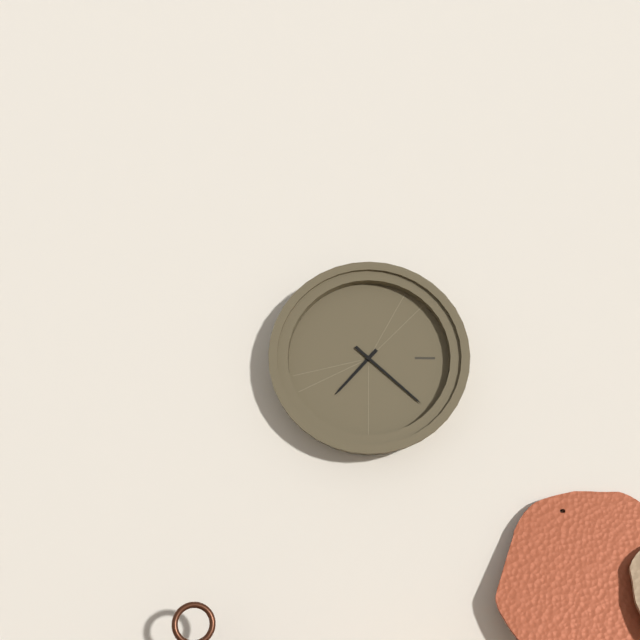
7:22
